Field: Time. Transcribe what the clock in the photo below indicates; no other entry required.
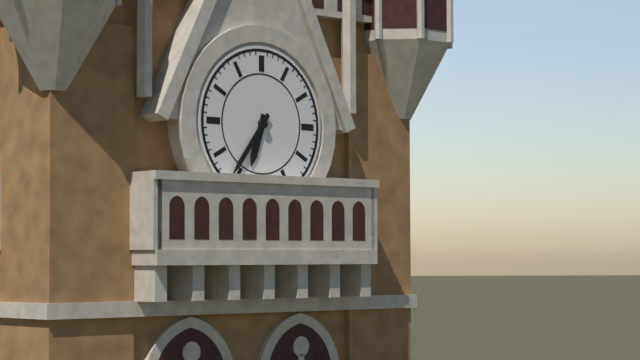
6:36
